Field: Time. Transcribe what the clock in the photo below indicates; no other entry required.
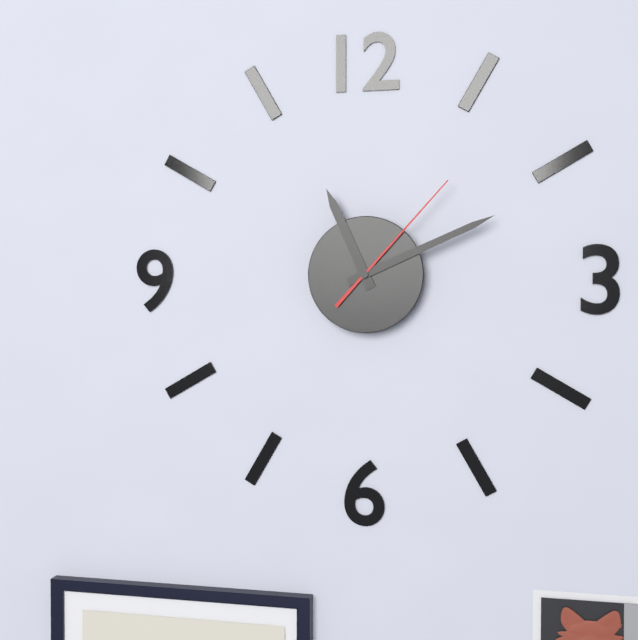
11:11:07
